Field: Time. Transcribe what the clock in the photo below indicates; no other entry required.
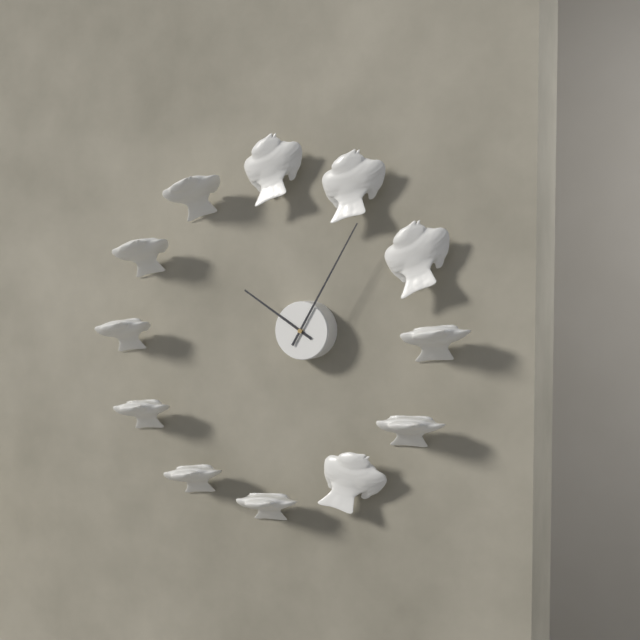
10:05
